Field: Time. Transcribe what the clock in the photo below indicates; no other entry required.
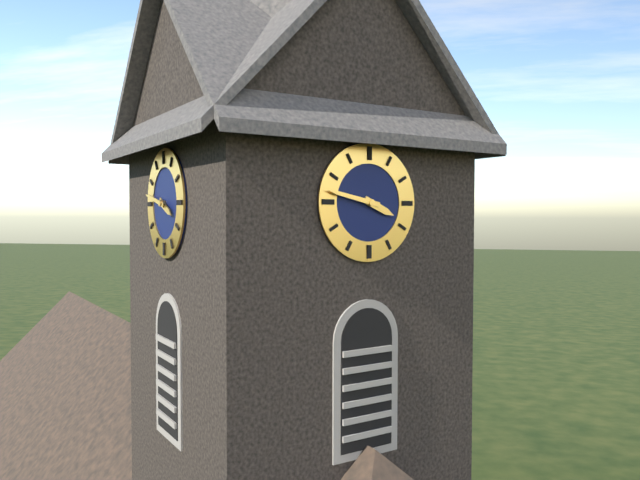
3:47
